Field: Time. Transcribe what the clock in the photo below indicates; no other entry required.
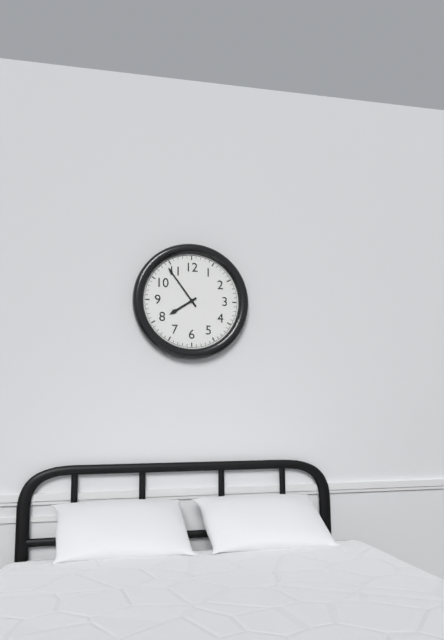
7:54
